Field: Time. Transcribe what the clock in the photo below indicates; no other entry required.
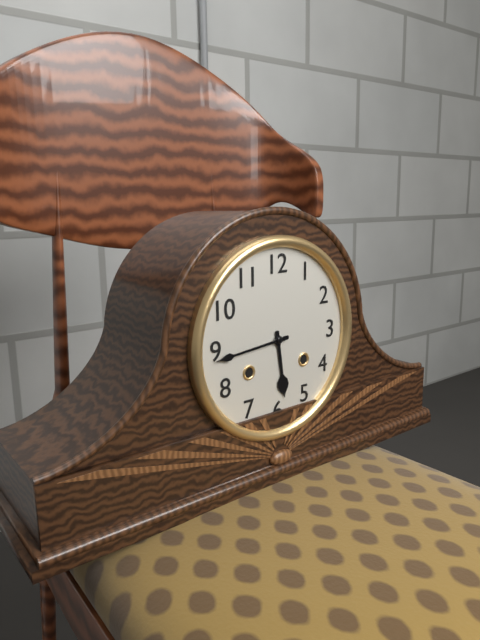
5:44
